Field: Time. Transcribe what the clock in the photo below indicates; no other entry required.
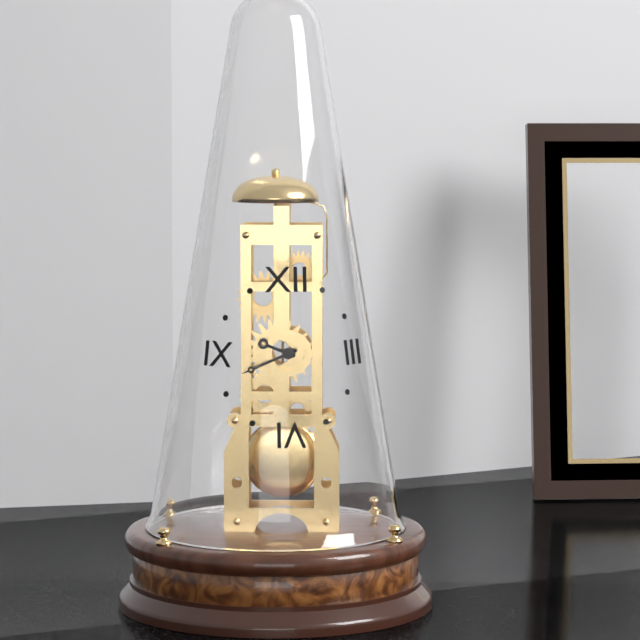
9:41
